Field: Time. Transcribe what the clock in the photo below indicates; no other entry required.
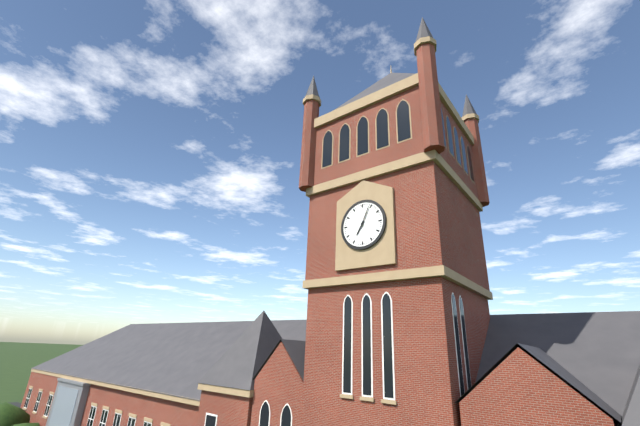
7:04
